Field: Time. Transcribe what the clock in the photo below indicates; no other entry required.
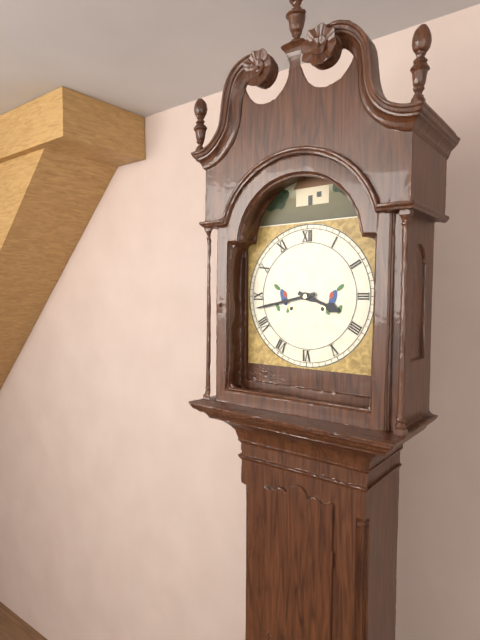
3:43
